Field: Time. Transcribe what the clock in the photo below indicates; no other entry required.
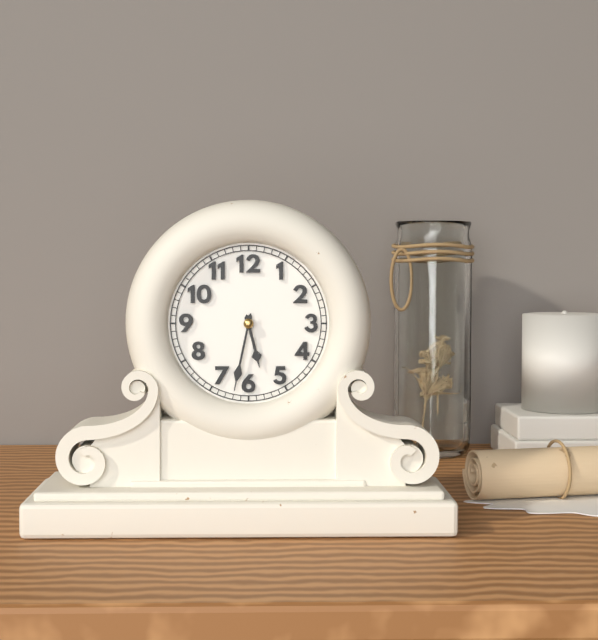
5:32
